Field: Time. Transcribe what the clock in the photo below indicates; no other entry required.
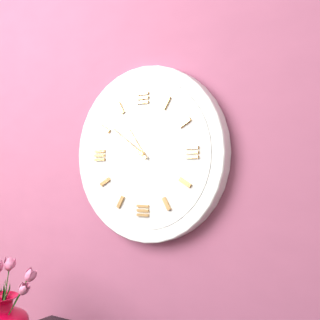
10:51
